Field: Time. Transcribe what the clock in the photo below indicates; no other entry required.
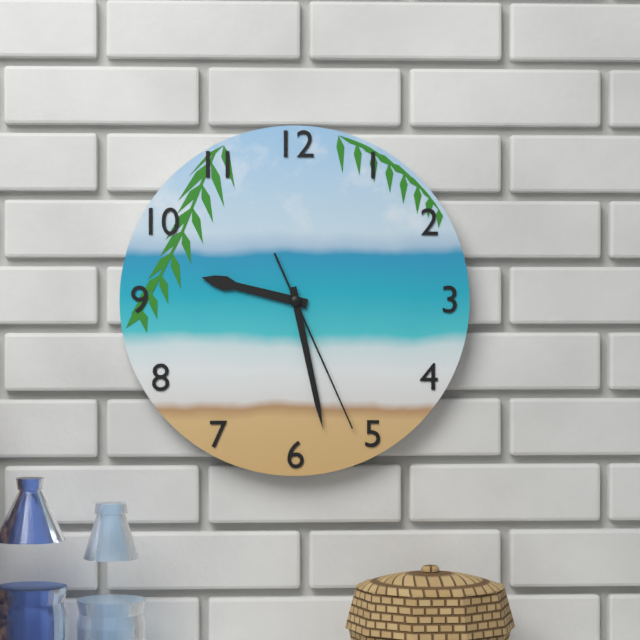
9:28:26
